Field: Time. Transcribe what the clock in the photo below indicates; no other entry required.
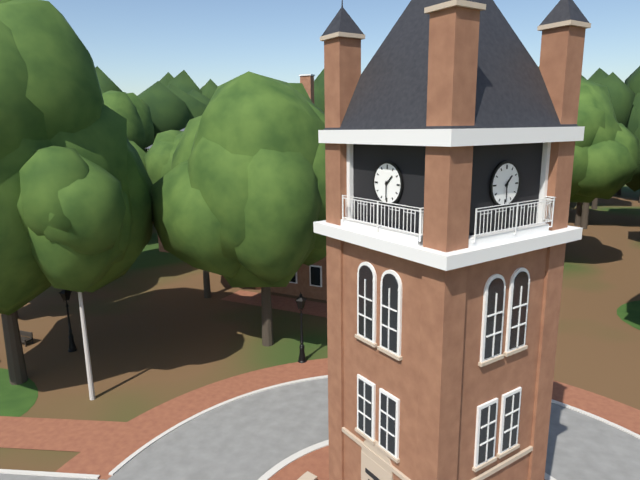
1:30
